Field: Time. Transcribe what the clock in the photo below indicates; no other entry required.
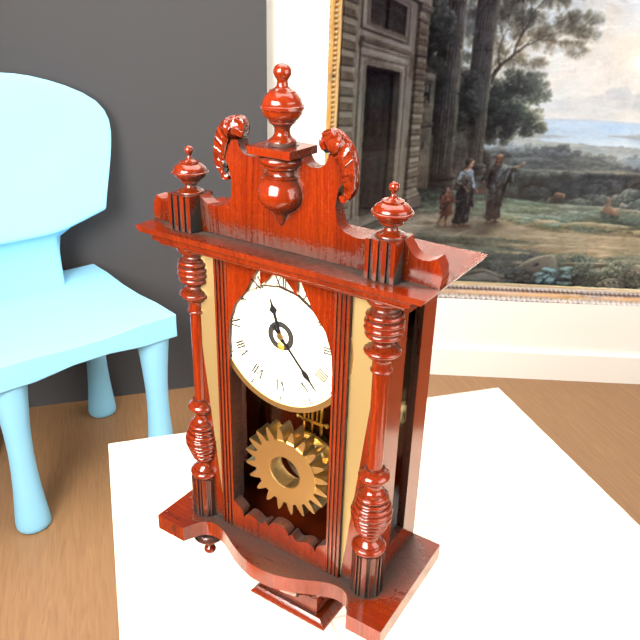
11:23
